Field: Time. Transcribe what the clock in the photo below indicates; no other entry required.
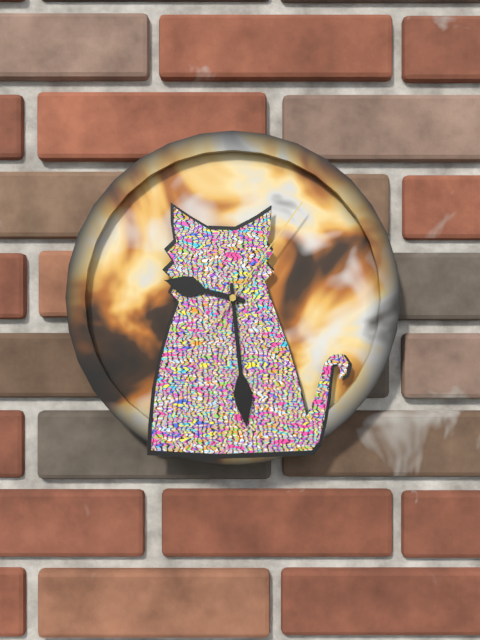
9:29:06
